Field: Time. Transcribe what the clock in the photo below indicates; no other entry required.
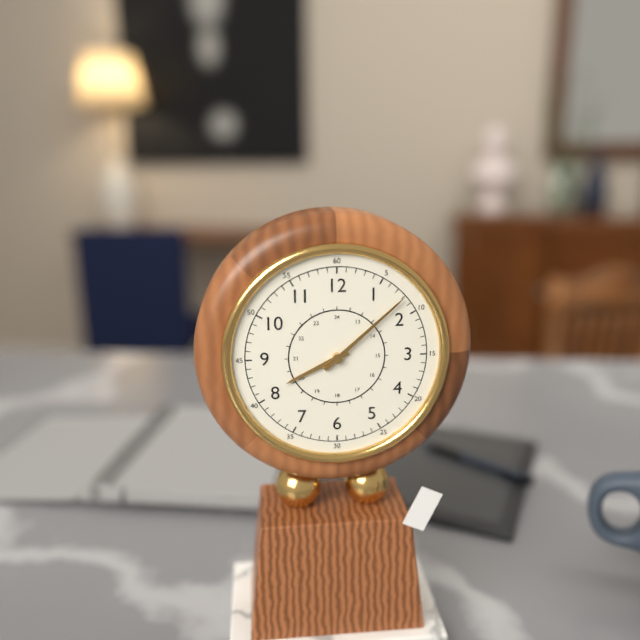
8:08
